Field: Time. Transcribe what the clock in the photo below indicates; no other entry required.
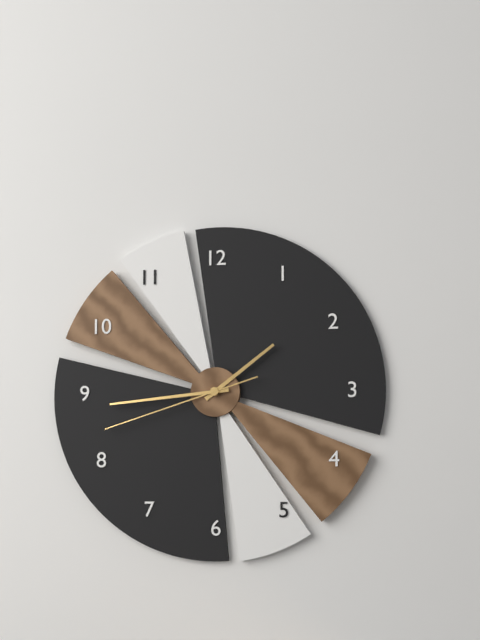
1:44:42
